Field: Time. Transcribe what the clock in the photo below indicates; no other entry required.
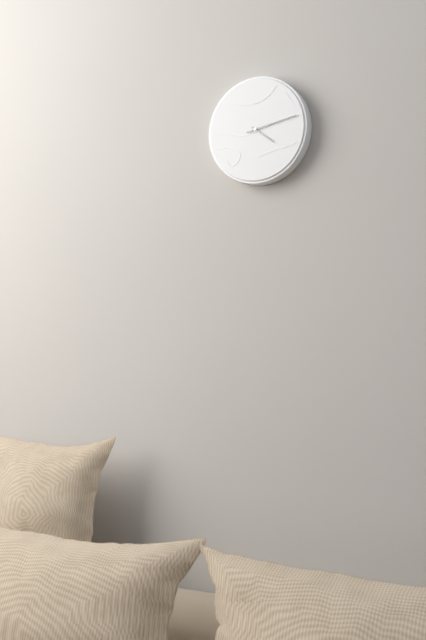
4:13
